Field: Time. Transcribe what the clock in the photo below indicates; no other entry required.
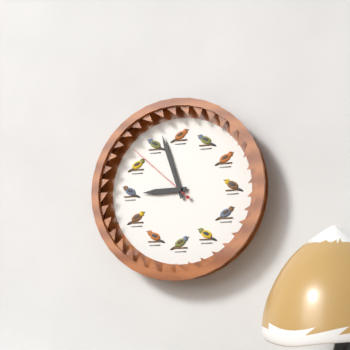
8:57:52
